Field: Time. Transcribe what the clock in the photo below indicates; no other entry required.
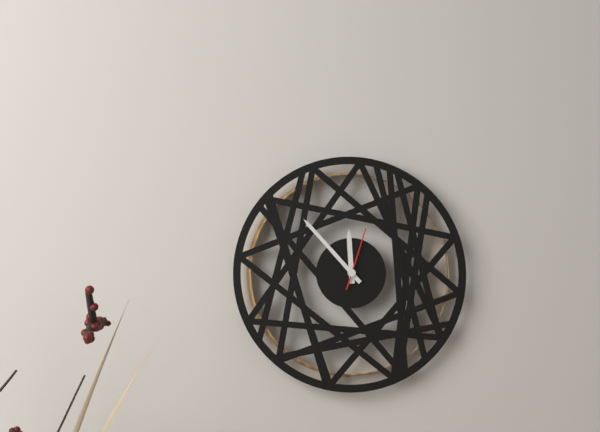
11:53:03
